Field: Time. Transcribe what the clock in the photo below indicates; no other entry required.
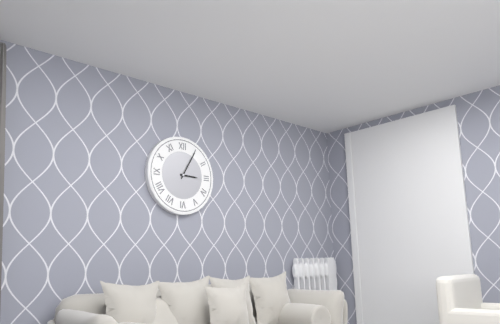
3:05
